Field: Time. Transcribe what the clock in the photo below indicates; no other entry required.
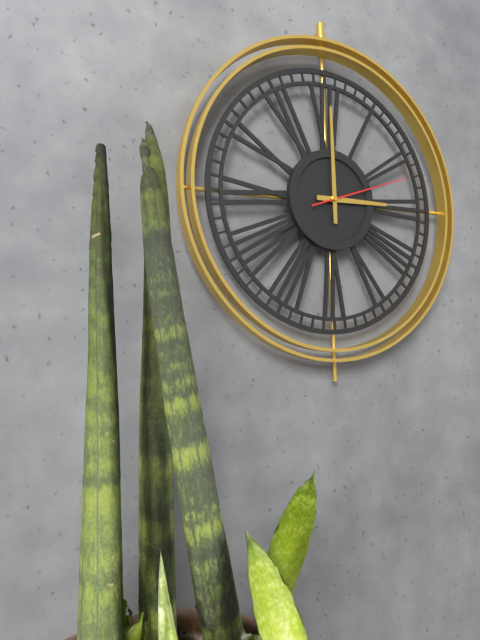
3:00:12
